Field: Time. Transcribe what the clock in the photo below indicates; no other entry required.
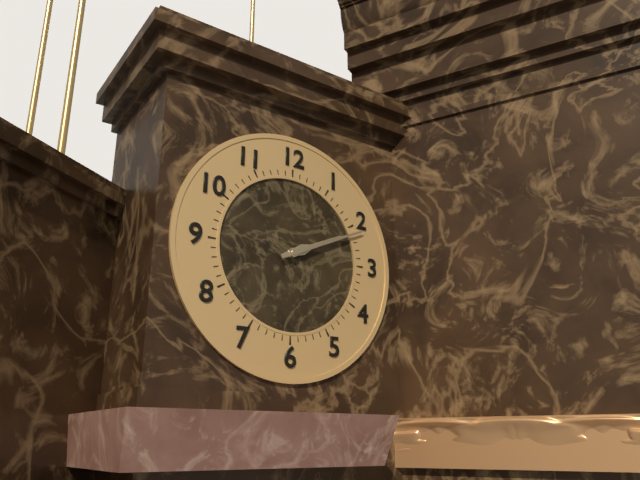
2:11
